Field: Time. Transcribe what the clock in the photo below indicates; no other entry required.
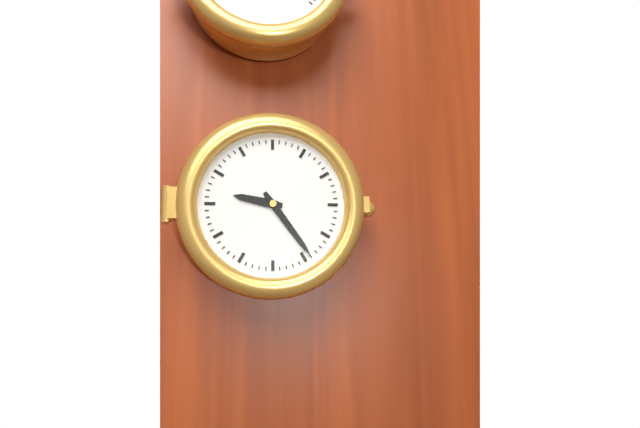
9:24
